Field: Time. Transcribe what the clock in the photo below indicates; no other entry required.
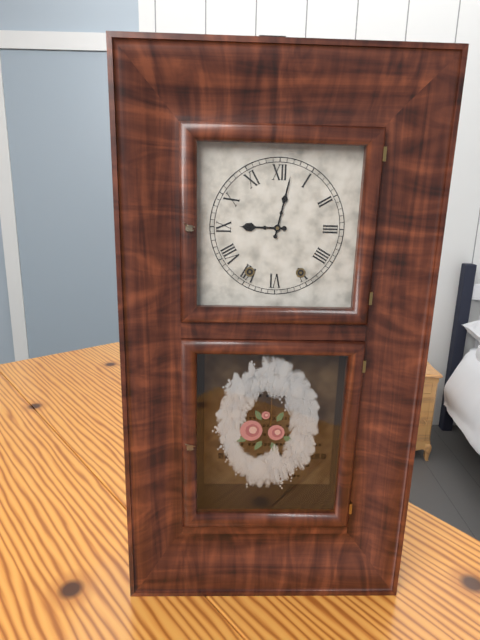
9:02
